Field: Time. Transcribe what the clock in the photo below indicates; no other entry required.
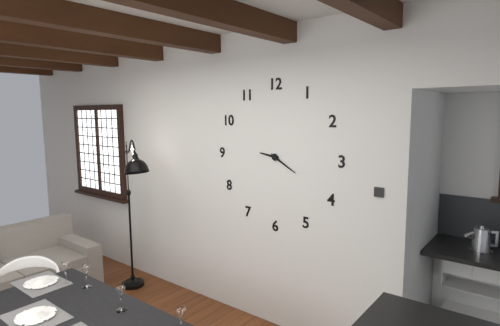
9:20
